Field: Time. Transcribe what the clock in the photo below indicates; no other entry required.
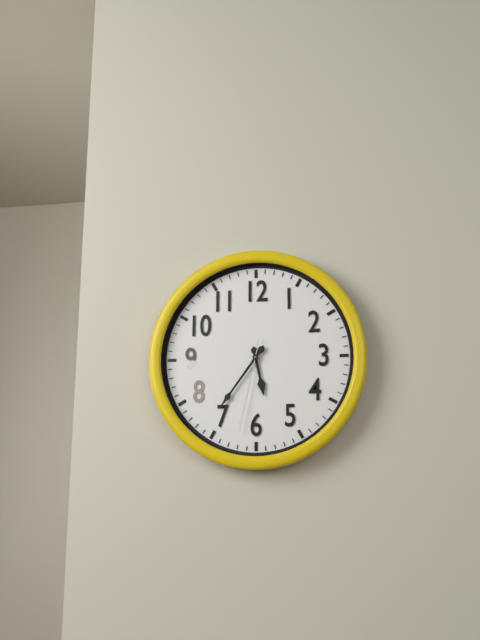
5:36:32
